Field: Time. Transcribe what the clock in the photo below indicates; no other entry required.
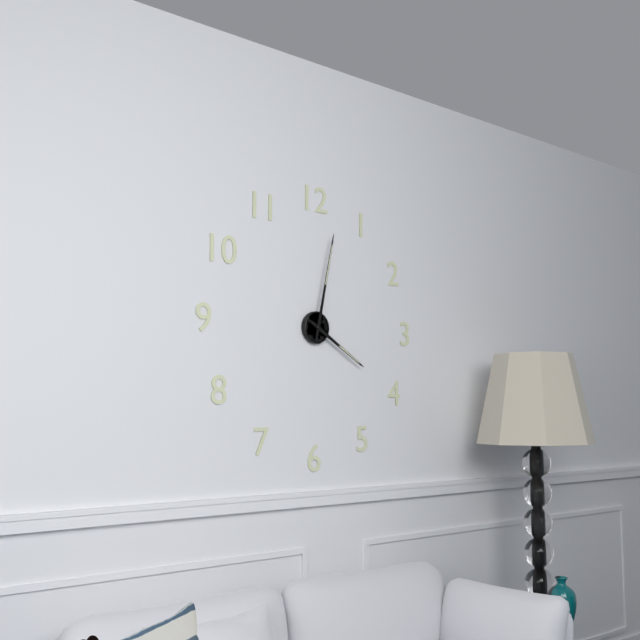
4:02
